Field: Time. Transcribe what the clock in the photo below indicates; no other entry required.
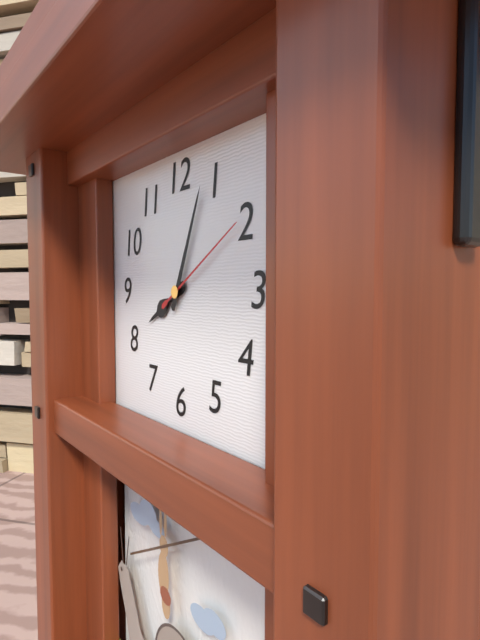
8:04:10
